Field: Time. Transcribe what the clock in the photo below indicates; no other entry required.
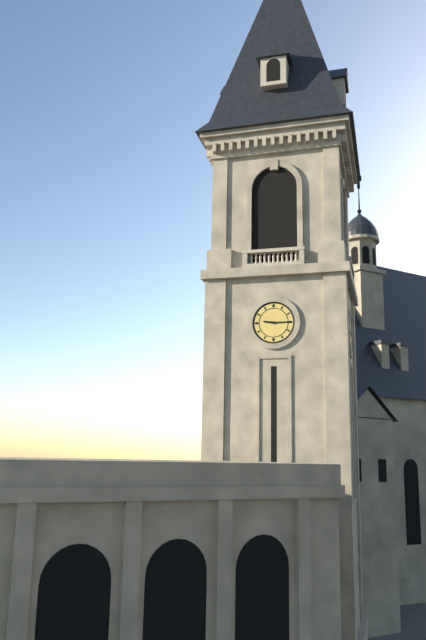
9:15
